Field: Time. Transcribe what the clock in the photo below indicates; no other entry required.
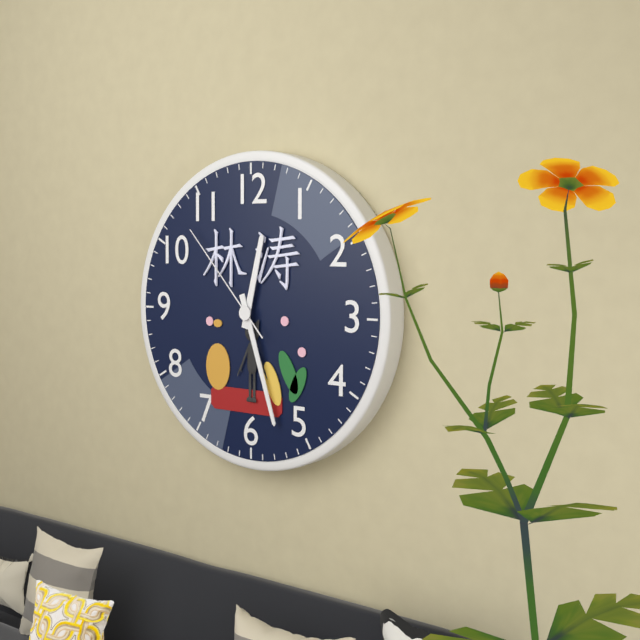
12:27:53
